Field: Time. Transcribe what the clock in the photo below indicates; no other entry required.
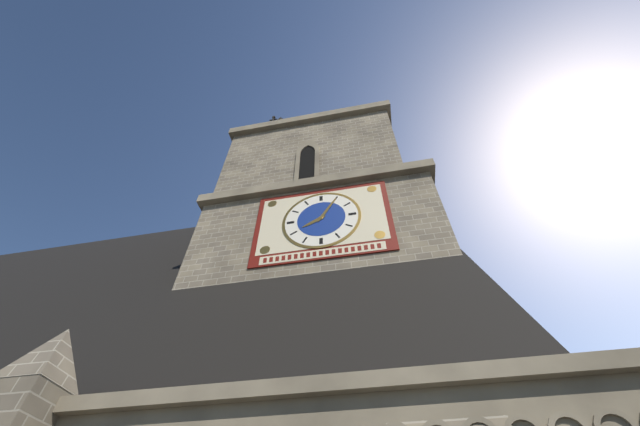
8:05
